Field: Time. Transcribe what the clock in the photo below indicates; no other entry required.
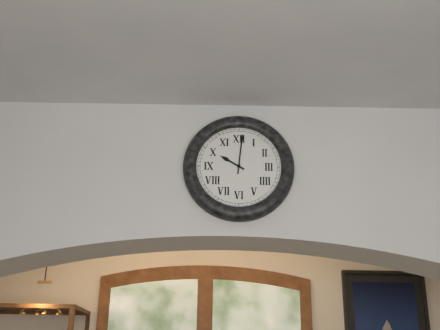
10:01
